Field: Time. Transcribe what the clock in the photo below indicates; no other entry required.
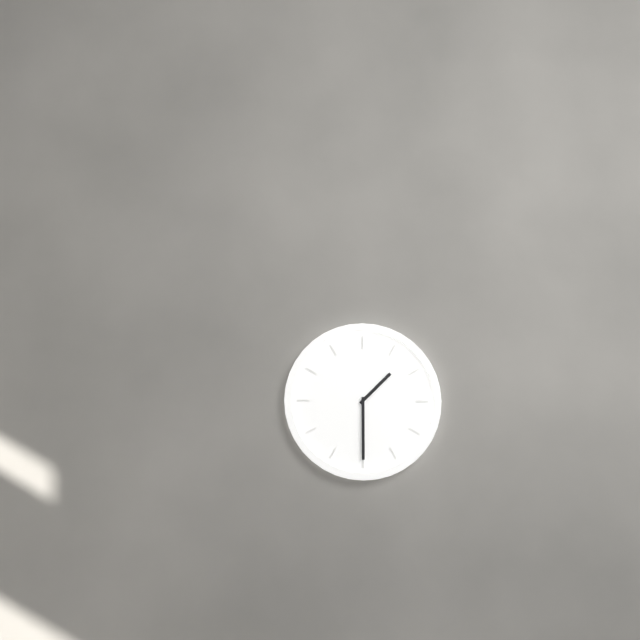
1:30
